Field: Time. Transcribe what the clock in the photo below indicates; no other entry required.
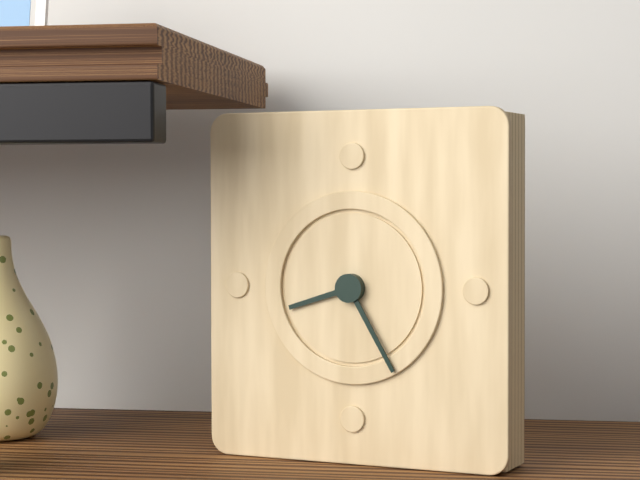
8:25
